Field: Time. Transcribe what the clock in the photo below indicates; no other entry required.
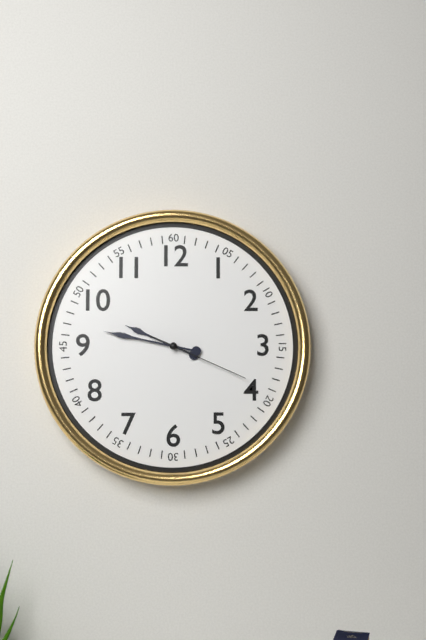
9:47:19
